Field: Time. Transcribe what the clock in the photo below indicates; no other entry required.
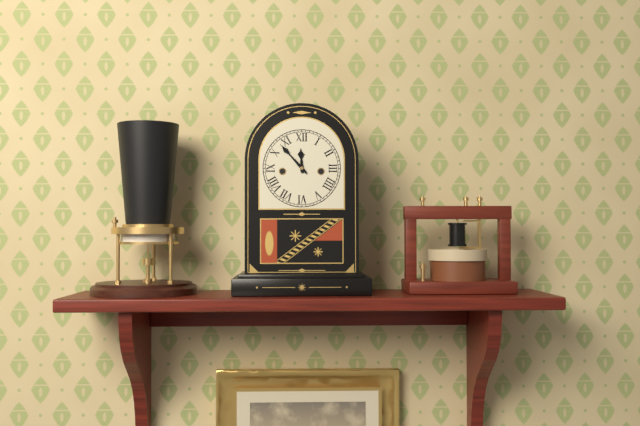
11:53
